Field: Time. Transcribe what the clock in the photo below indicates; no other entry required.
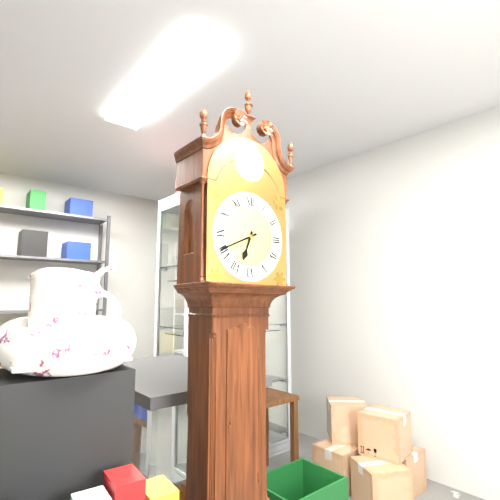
6:41
